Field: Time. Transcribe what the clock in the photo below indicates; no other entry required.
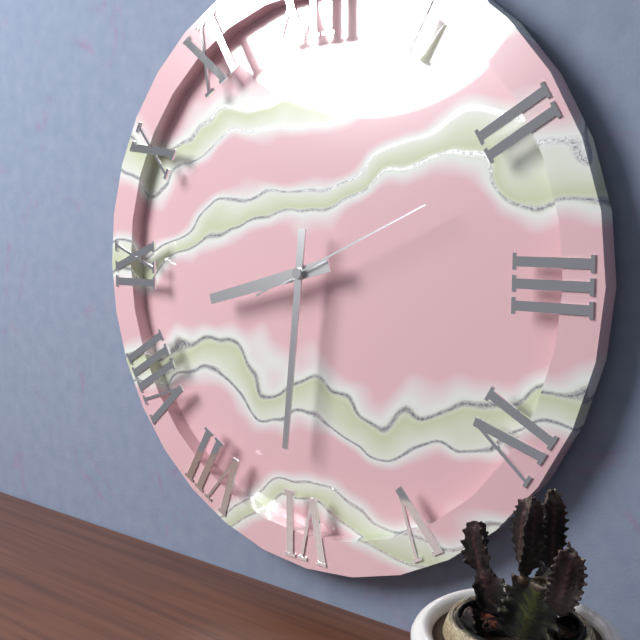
8:31:11
